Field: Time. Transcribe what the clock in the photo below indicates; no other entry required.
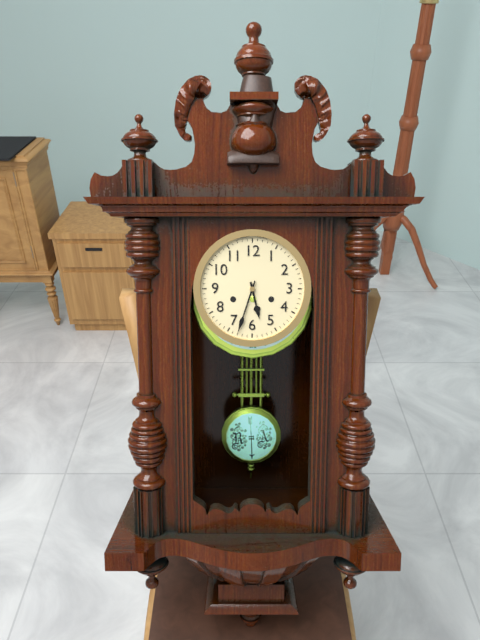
5:33
